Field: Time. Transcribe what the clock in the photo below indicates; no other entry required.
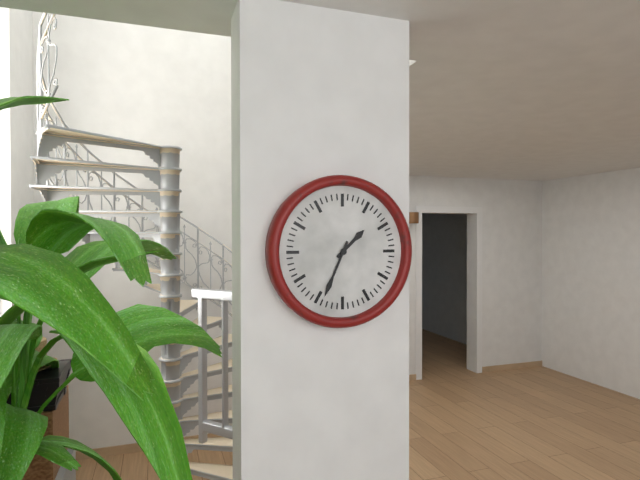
1:34
